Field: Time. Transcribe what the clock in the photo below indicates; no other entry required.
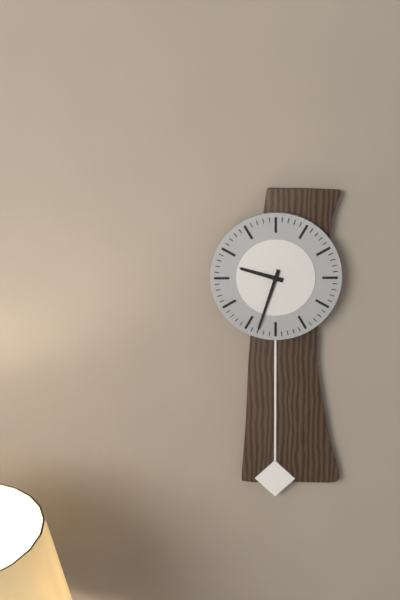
9:33
